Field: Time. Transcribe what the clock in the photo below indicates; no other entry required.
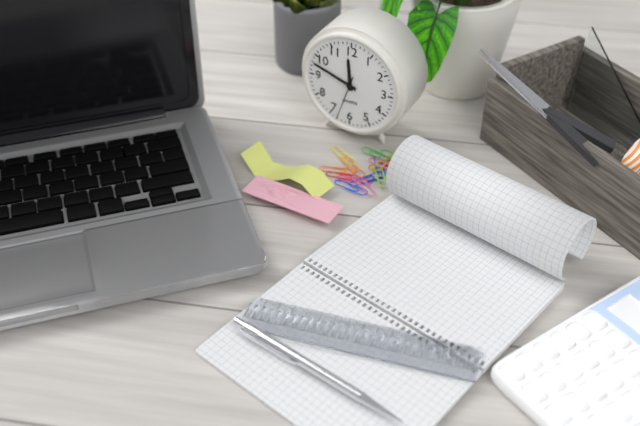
11:48
